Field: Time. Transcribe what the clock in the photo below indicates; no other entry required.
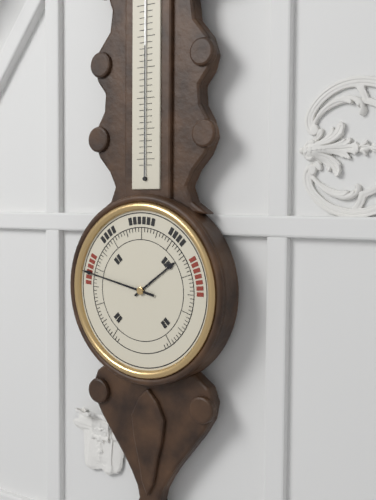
1:47
